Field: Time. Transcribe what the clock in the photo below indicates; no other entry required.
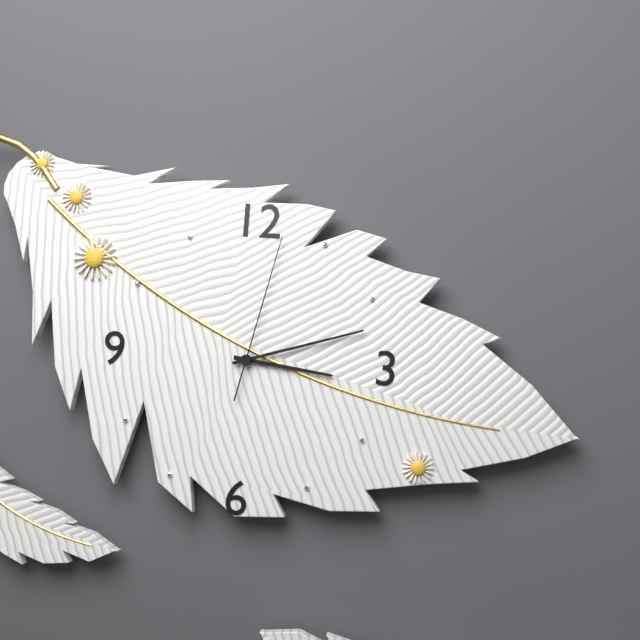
3:12:02
